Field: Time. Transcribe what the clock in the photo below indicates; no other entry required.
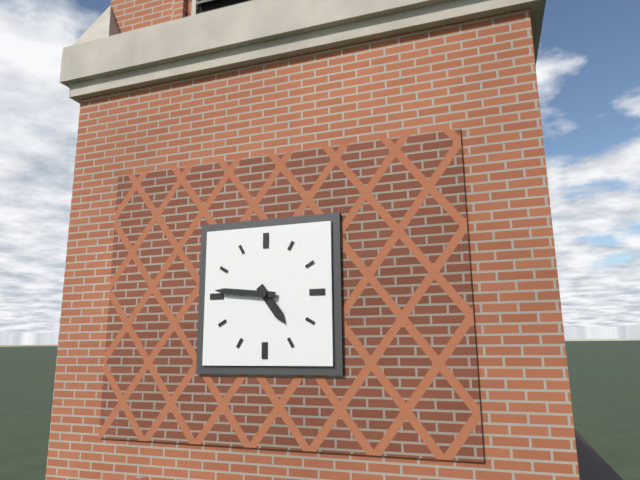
4:46
